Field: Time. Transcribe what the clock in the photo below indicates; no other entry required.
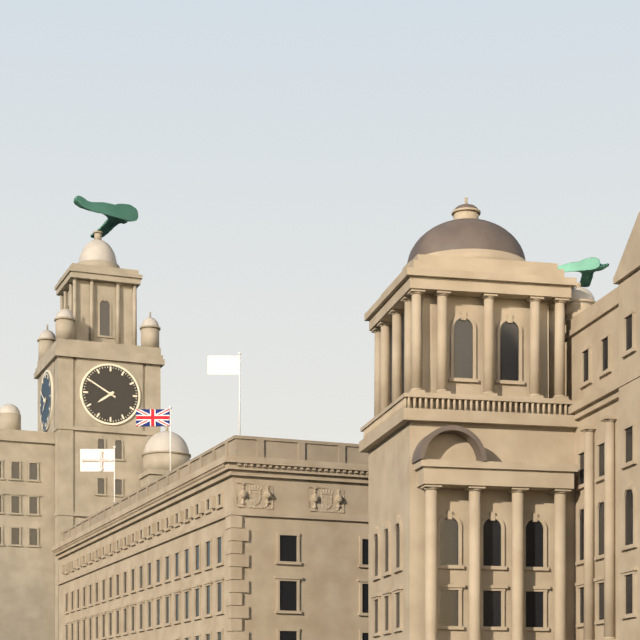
7:50
